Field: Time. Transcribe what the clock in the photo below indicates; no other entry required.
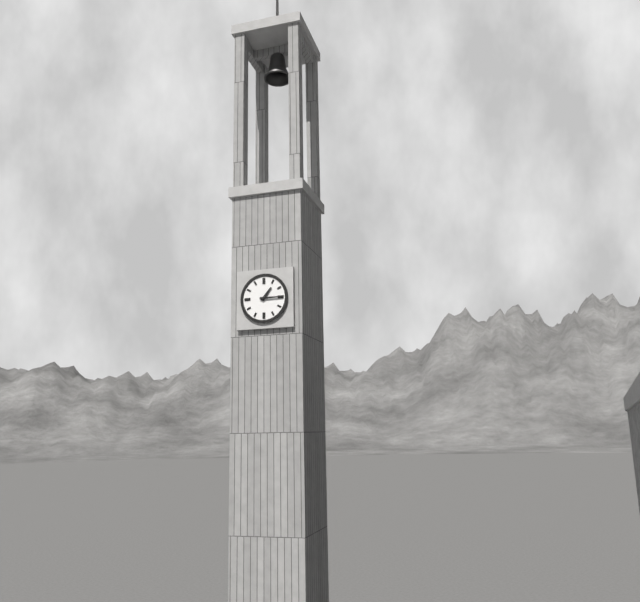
1:15
